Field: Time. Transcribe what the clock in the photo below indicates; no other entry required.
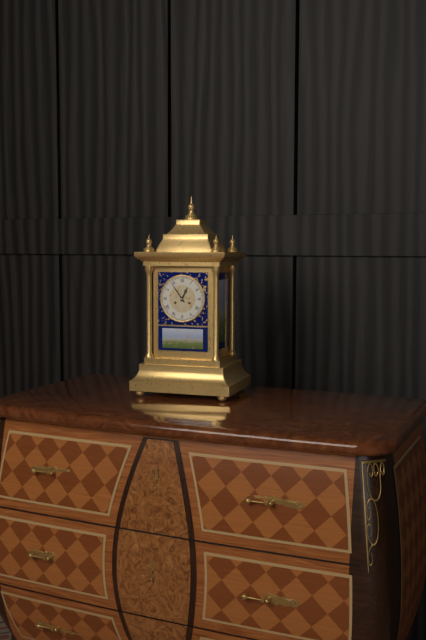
12:54
